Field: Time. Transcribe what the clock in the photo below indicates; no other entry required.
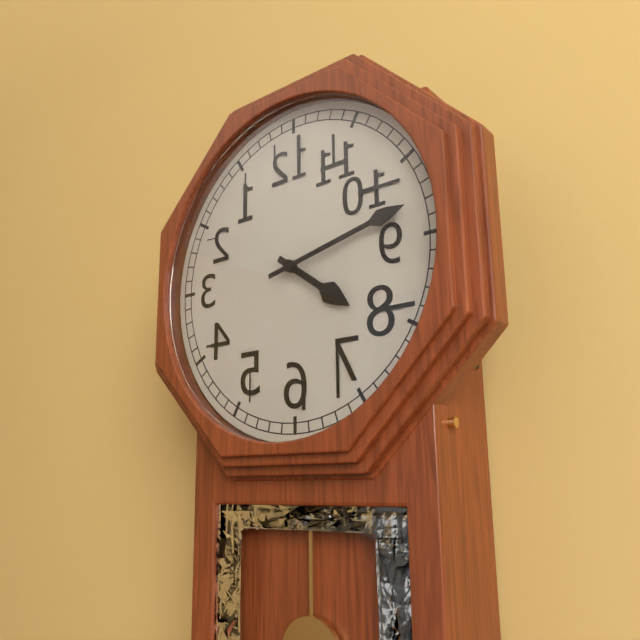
4:13
